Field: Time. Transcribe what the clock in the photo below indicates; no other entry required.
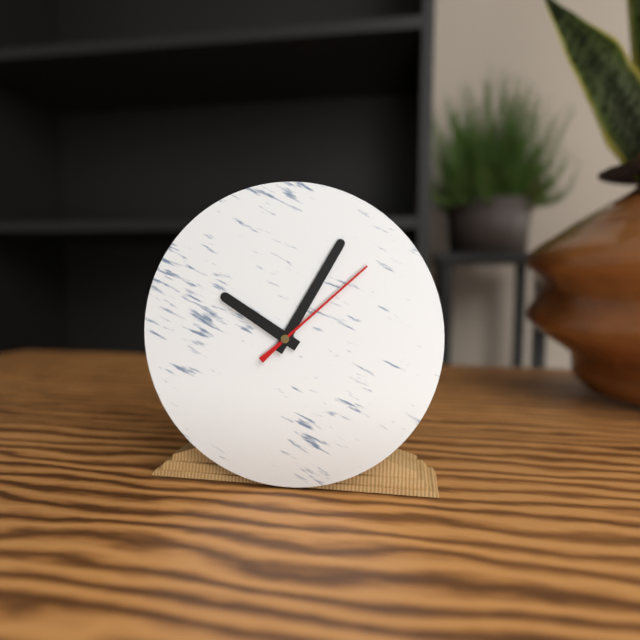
10:05:08
